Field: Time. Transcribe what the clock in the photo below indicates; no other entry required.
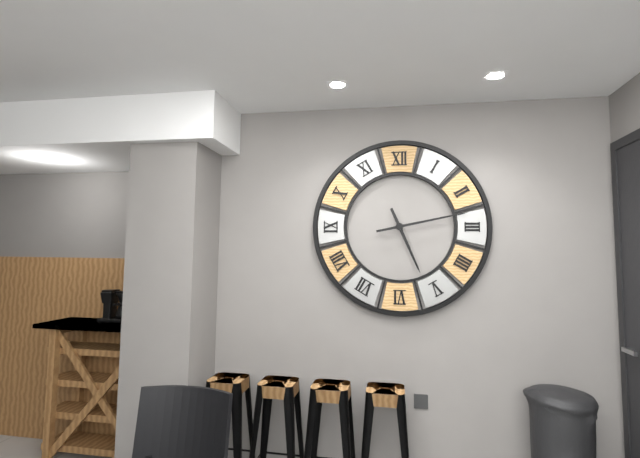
5:13
